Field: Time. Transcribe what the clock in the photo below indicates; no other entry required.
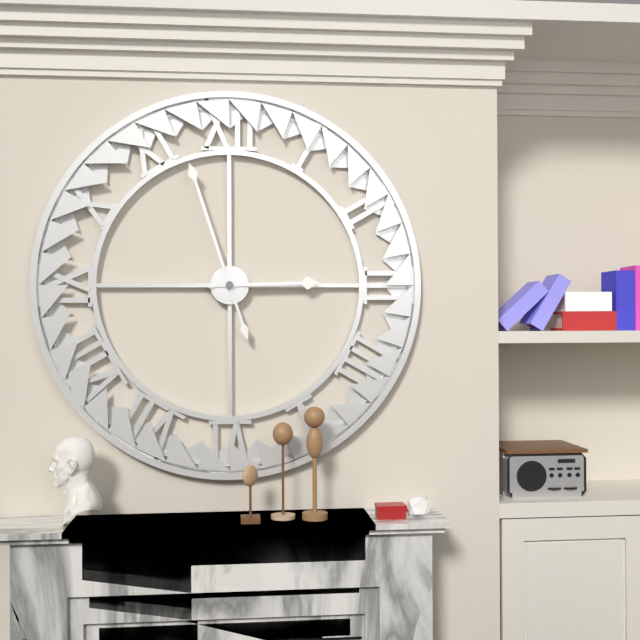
2:57
